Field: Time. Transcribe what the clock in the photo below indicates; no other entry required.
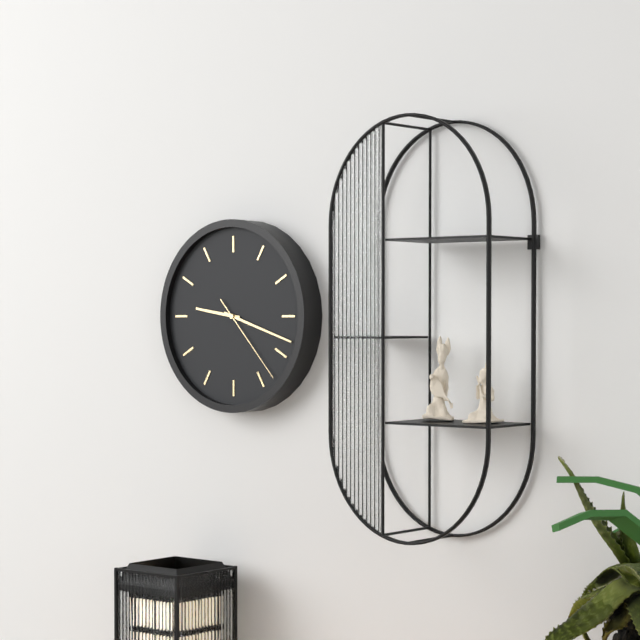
9:18:23
